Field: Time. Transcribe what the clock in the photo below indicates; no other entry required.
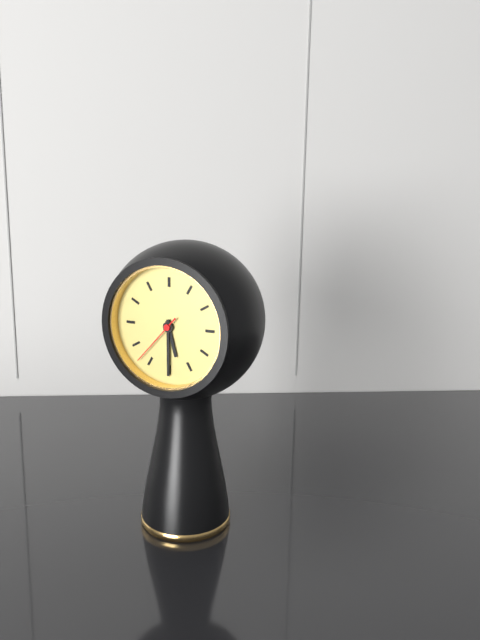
5:30:37
